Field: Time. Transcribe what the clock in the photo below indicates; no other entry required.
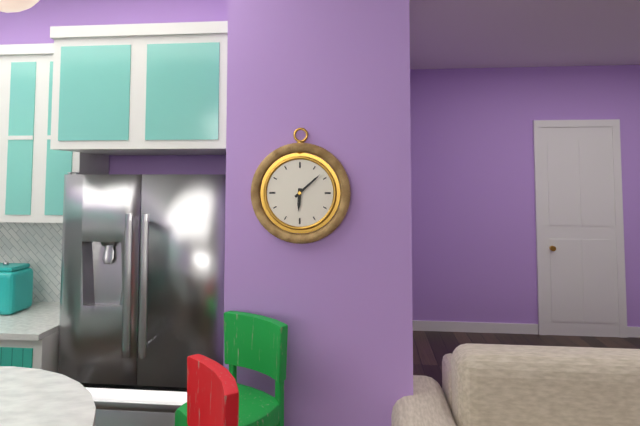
6:08
